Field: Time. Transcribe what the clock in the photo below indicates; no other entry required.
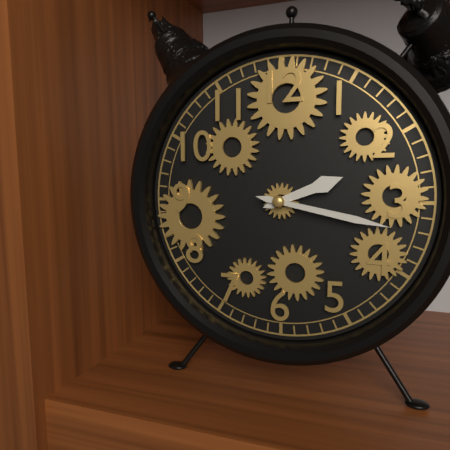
2:17
